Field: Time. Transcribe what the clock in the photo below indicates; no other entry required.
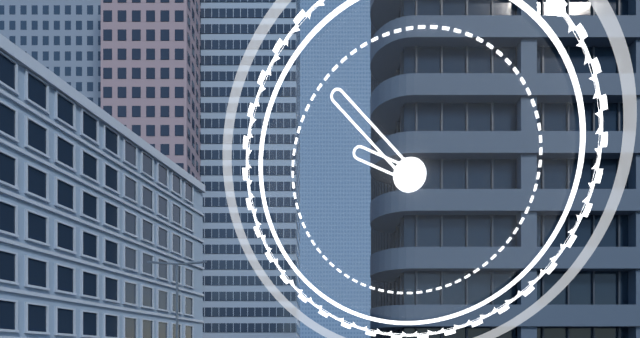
9:53
